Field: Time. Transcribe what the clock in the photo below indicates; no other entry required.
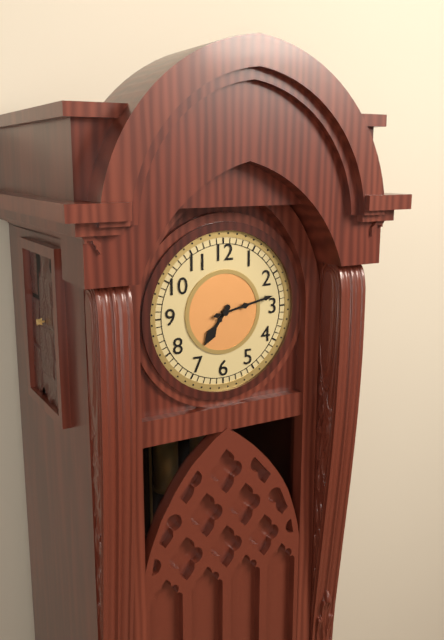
7:13
